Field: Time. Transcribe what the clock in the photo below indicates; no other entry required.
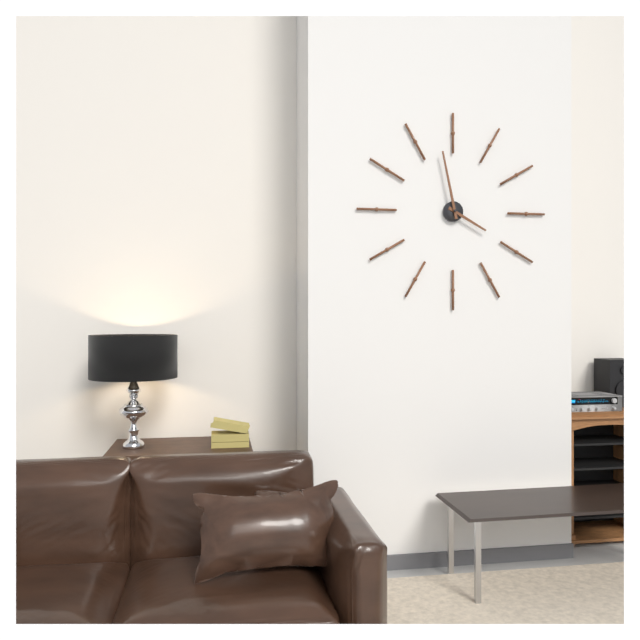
3:58
